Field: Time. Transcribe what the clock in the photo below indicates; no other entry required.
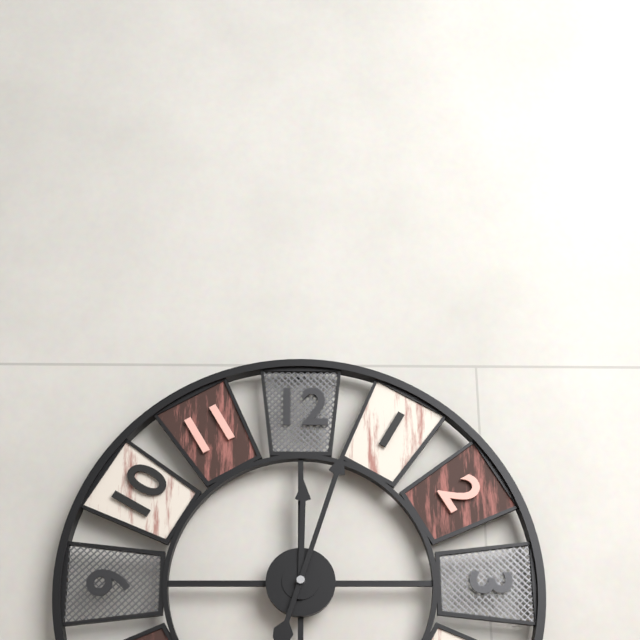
12:03
